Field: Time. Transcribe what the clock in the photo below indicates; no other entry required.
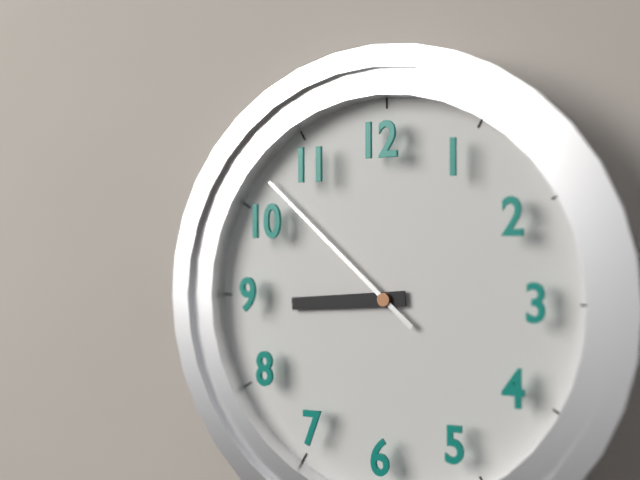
8:52
